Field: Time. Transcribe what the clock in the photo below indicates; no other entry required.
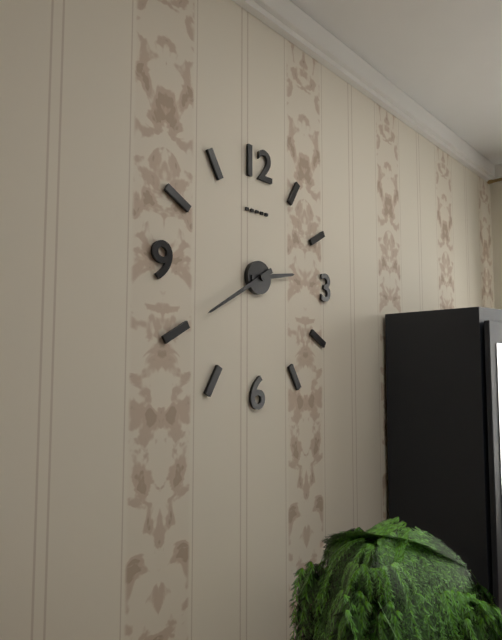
2:40
